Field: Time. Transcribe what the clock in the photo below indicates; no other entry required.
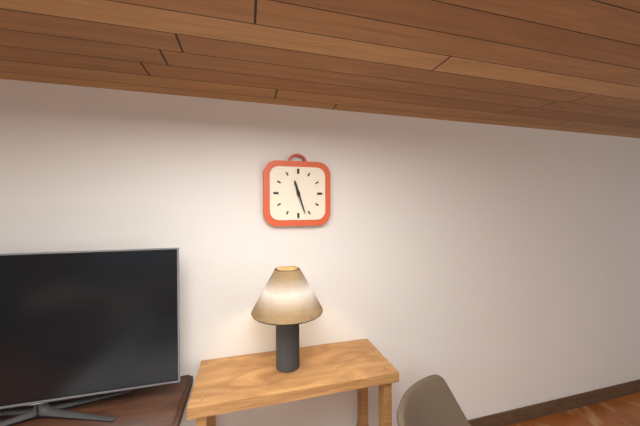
11:27
